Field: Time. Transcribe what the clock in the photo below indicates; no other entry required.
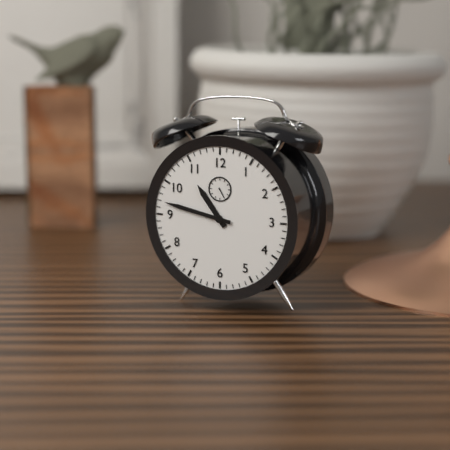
10:47
